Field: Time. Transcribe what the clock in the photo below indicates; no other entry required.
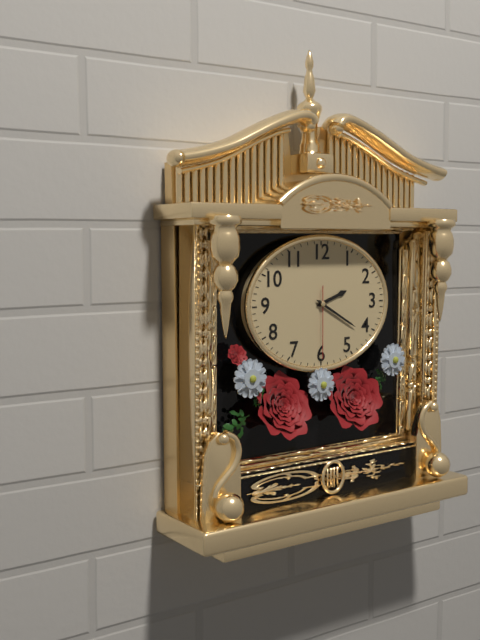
2:20:30
